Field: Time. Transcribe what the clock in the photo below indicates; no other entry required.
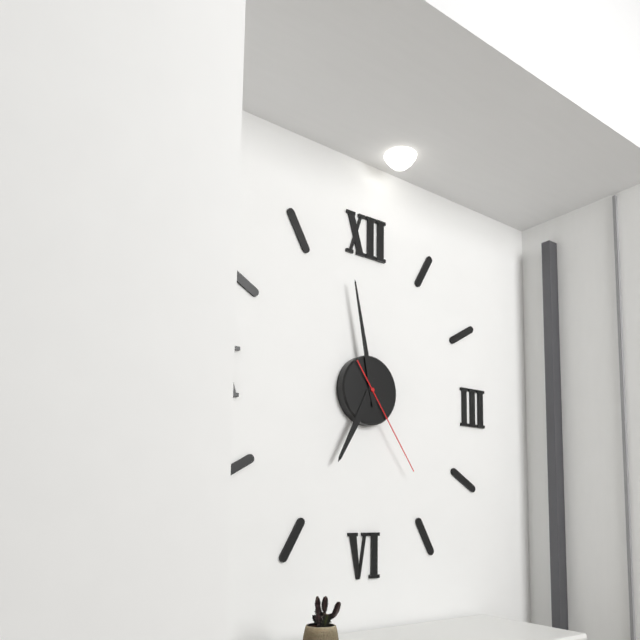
6:58:24
